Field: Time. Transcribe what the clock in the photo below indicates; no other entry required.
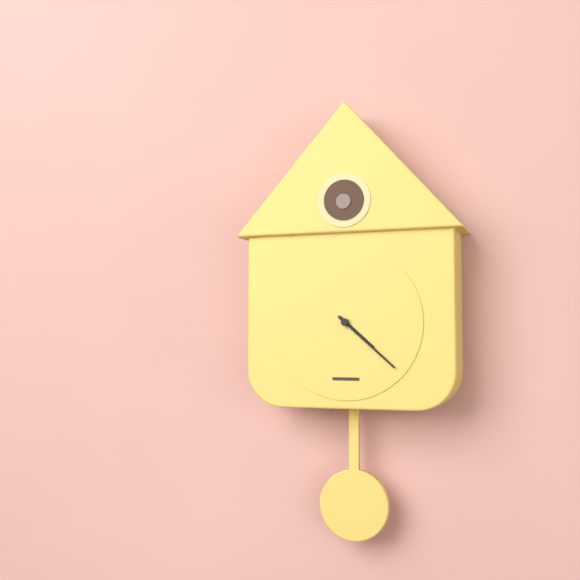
4:22
